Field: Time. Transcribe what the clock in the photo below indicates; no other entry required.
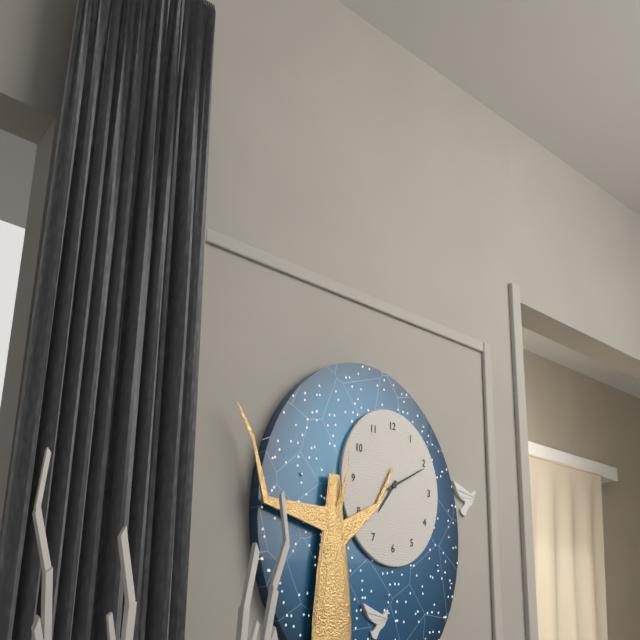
7:10
